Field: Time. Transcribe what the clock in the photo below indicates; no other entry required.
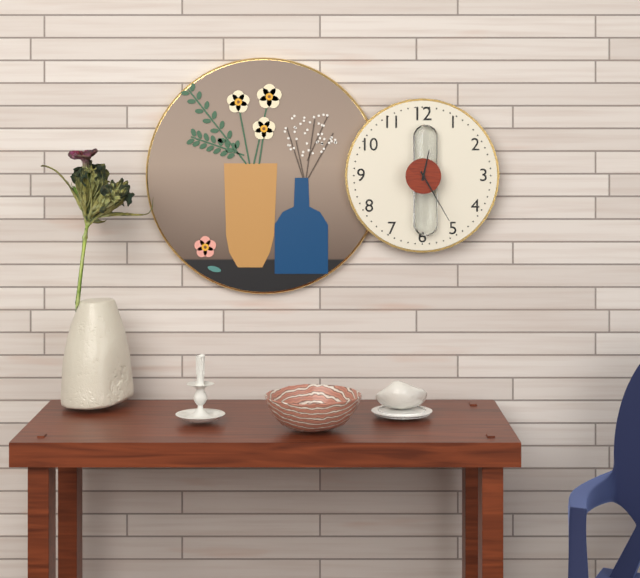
12:25
